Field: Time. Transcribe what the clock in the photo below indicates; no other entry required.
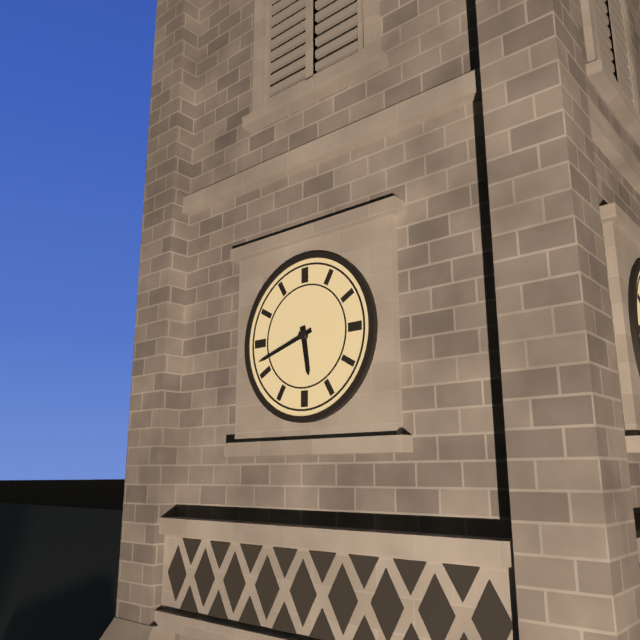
5:42
